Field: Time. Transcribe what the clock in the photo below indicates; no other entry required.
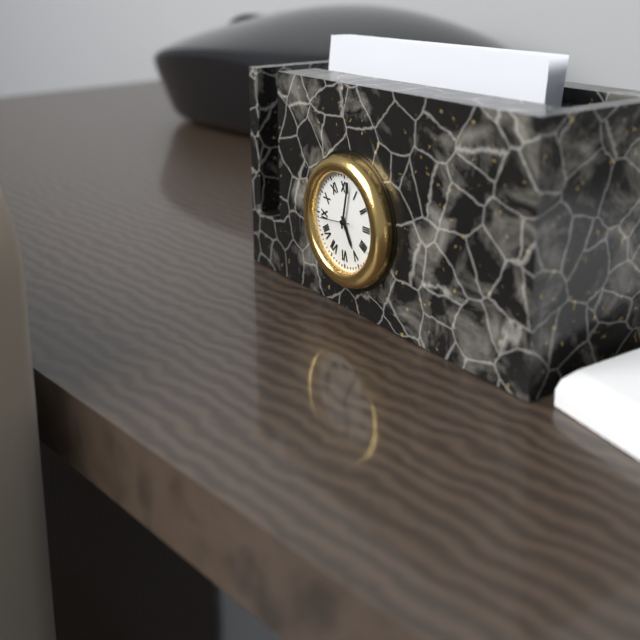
5:02
